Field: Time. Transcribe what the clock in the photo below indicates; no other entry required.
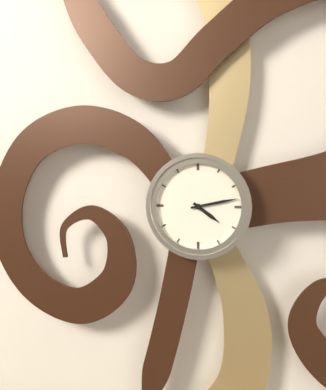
4:13
